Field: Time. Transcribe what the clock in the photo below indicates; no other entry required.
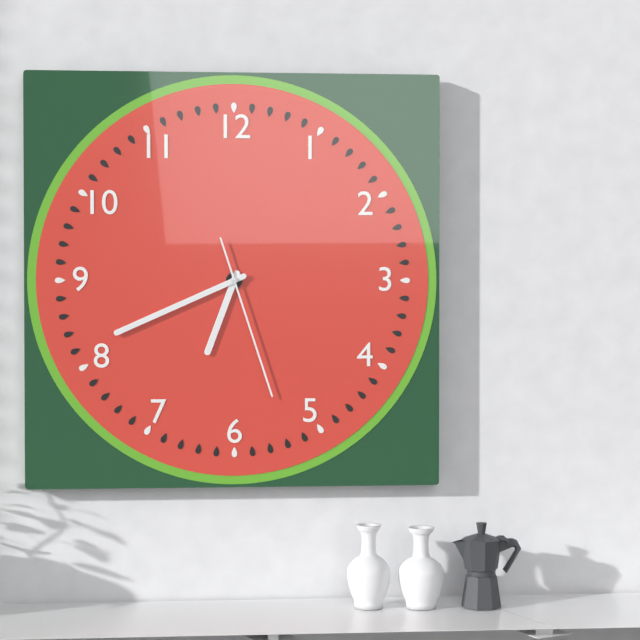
6:41:27
